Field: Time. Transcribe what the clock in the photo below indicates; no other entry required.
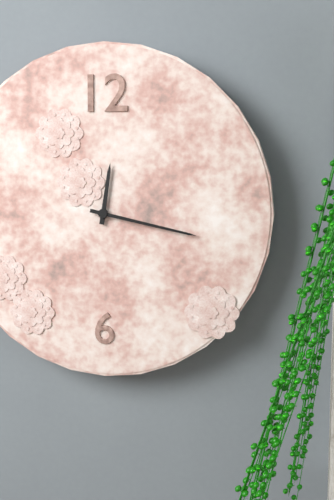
12:17
